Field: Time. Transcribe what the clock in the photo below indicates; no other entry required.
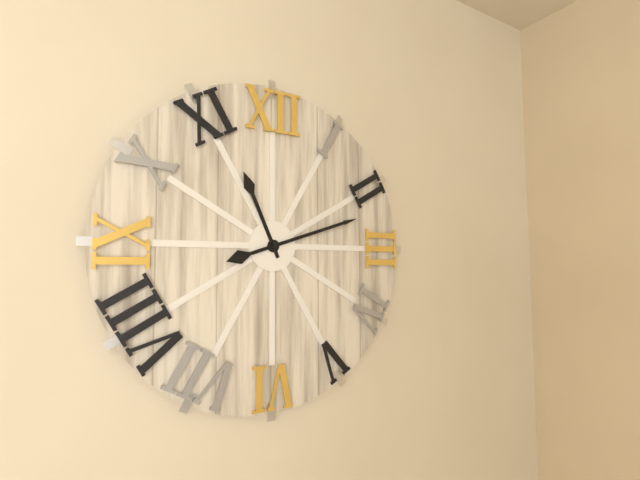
11:12
